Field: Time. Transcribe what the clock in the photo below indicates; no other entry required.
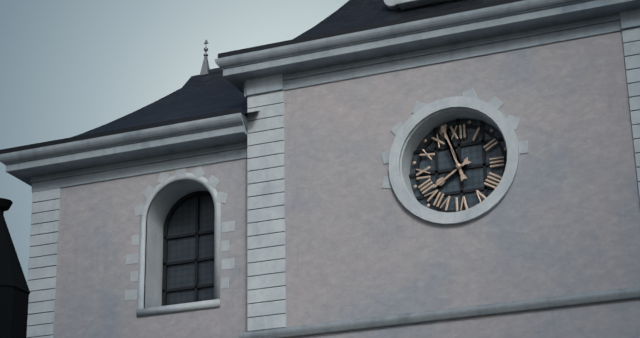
7:57
